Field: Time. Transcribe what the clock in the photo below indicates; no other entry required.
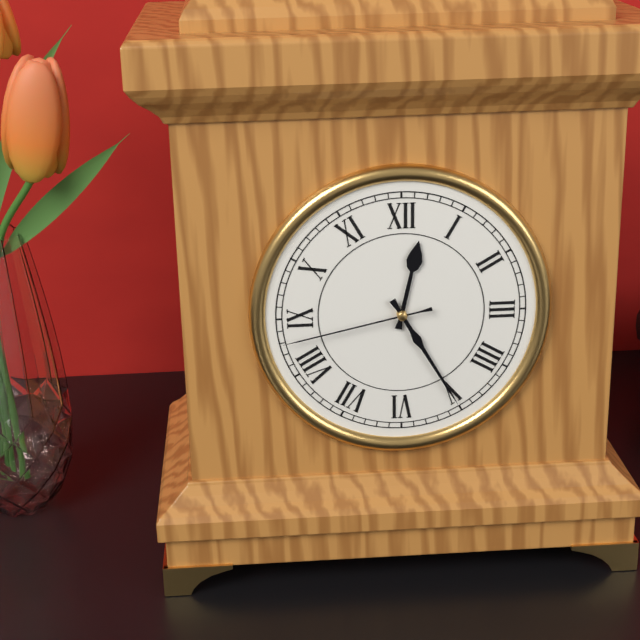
12:25:43
